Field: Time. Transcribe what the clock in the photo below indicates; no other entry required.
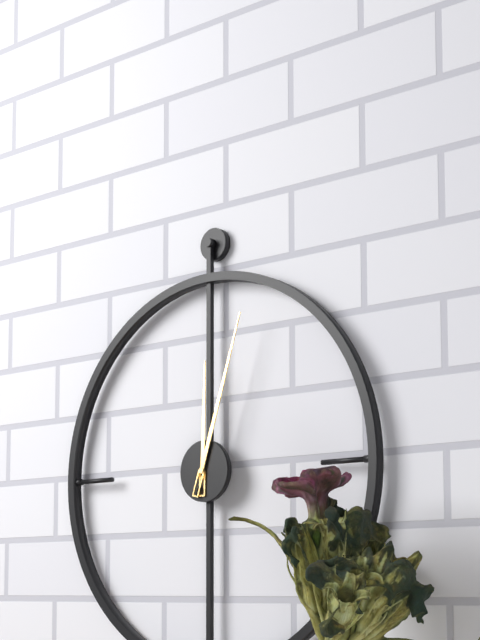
12:03
